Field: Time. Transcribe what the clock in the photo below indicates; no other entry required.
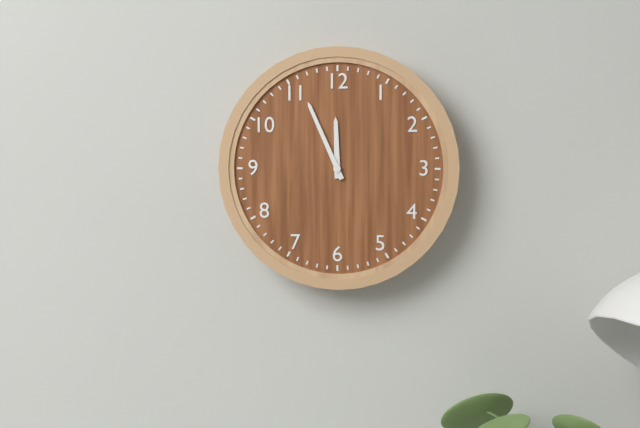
11:56
